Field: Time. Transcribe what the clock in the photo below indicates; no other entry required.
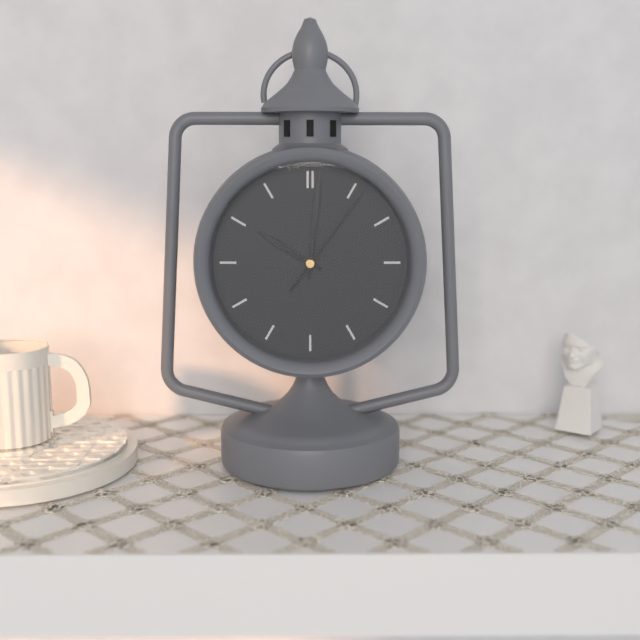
10:01:06
